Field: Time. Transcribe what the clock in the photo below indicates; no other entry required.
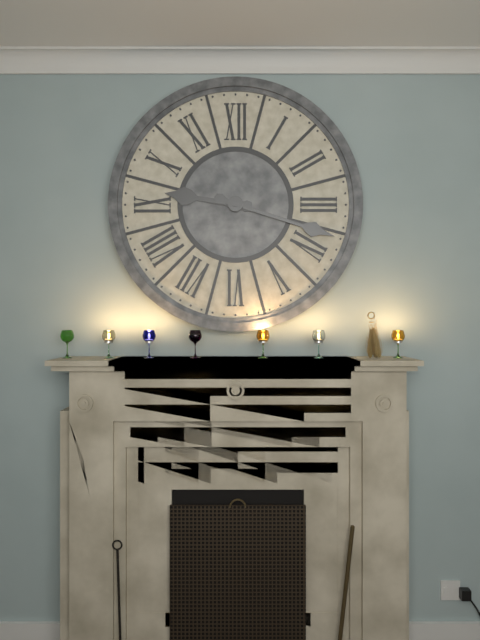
9:18
